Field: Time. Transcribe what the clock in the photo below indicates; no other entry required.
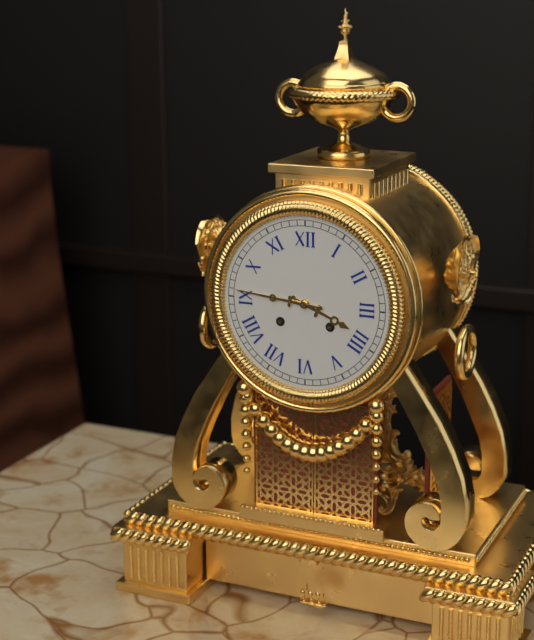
3:46
